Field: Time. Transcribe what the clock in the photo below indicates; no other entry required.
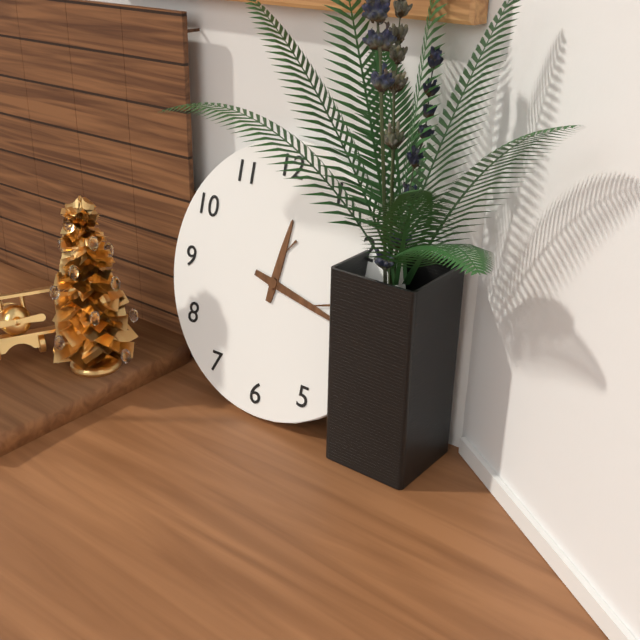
12:17
